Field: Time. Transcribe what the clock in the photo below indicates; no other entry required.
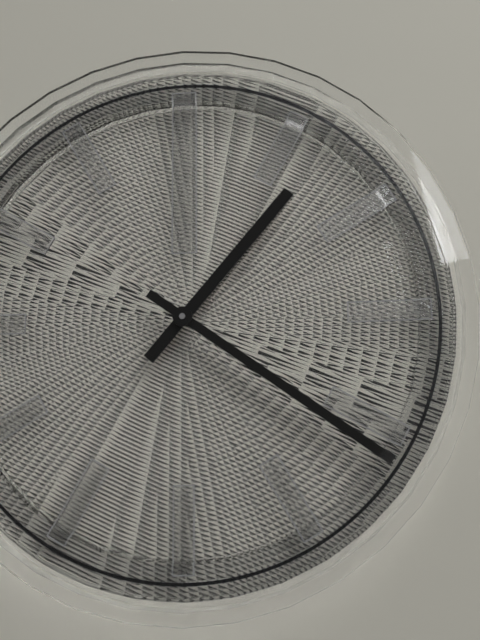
1:21
